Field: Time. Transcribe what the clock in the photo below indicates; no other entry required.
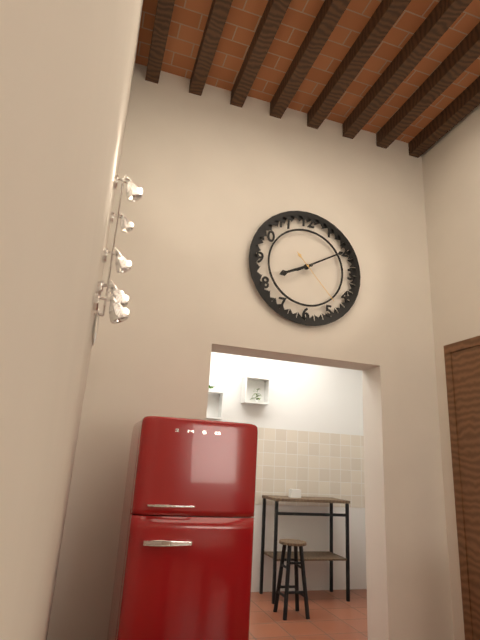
8:10:23
